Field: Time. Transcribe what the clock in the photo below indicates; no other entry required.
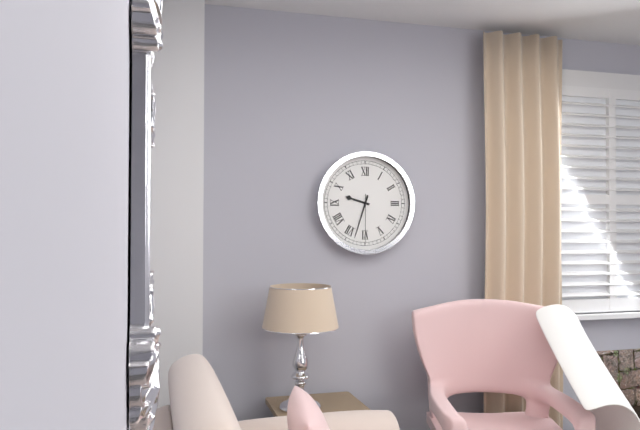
9:33
